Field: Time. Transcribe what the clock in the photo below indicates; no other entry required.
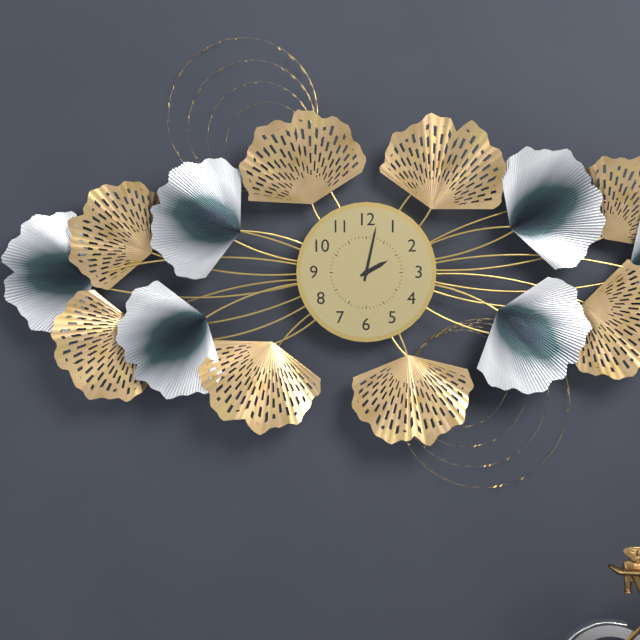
2:02
